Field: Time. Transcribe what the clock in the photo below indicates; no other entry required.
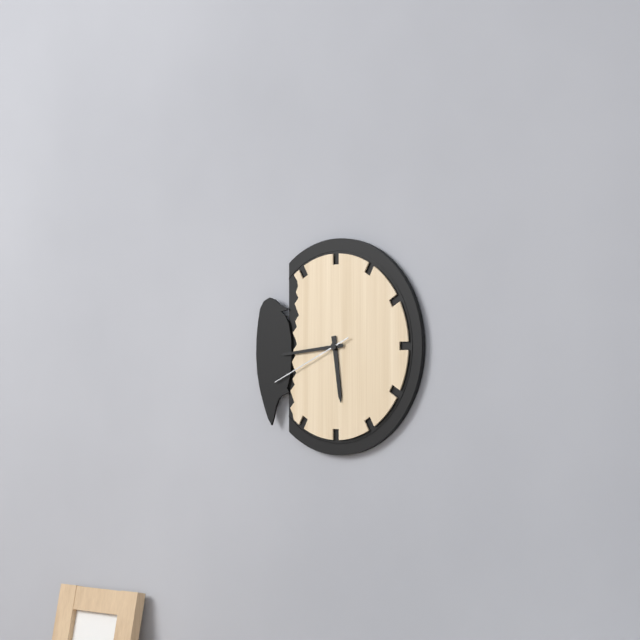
5:44:41
